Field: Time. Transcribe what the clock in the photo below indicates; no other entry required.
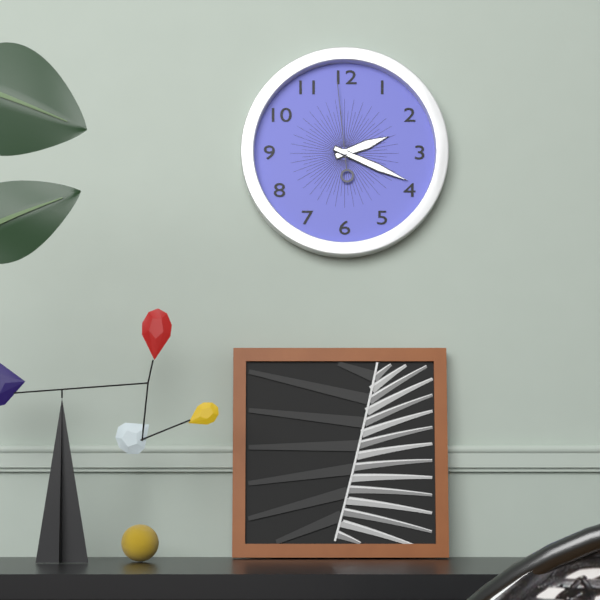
2:19:59
